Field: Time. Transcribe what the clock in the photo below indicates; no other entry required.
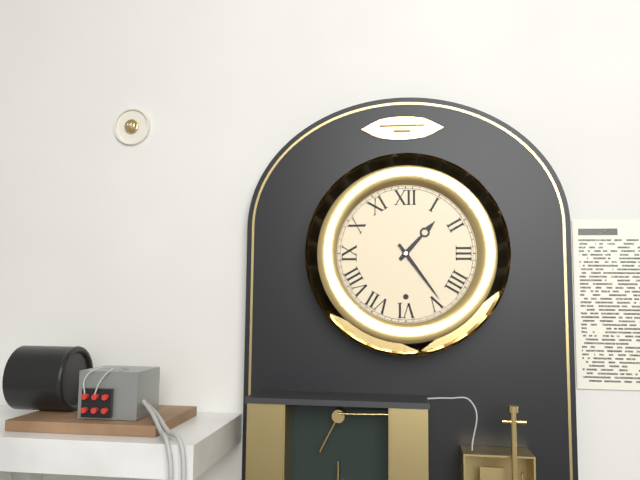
1:24
